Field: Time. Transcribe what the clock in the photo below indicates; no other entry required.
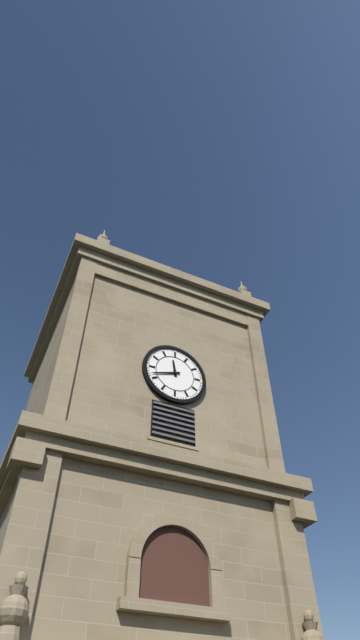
11:42
